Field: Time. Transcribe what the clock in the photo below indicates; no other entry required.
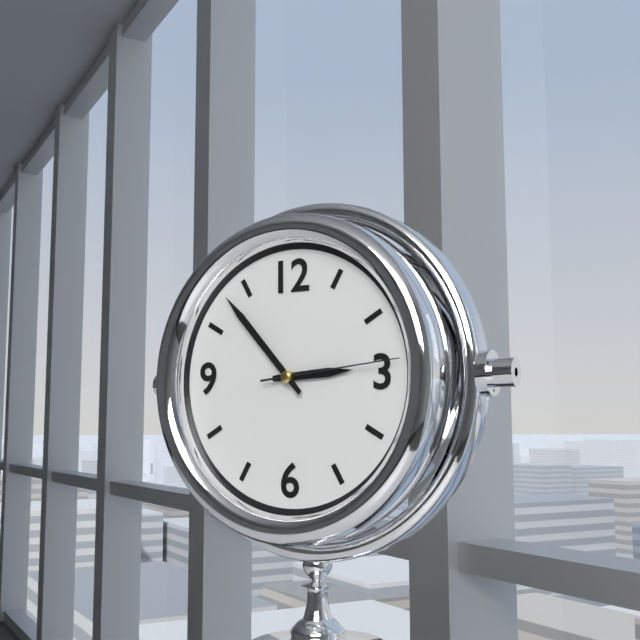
2:53:14
